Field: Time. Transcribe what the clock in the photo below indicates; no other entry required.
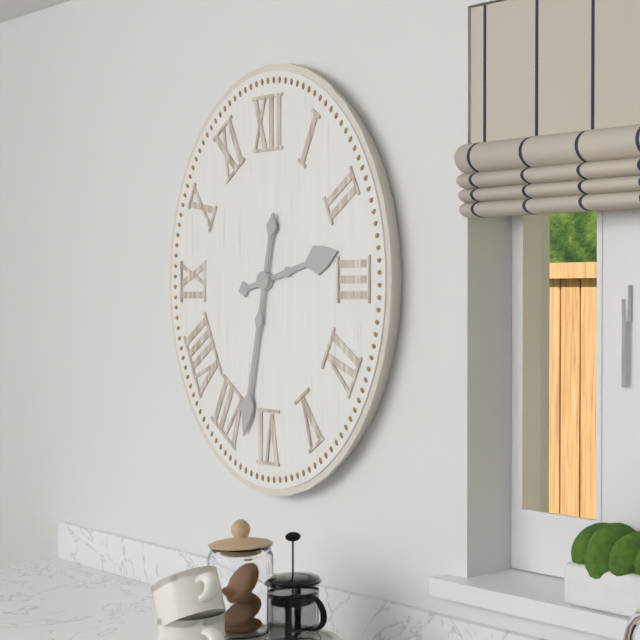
2:32
